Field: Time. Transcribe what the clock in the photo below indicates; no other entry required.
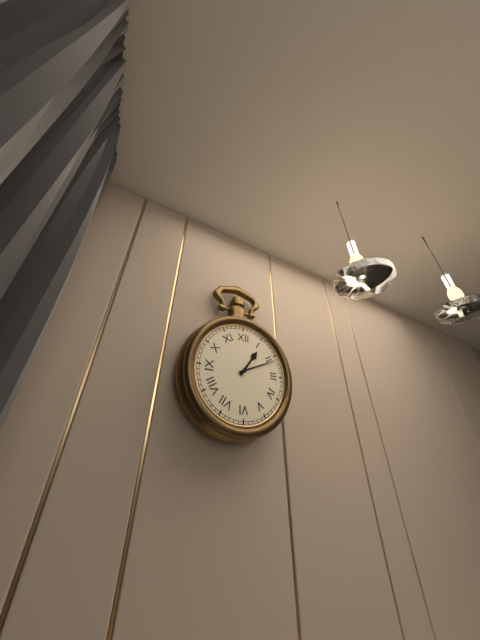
1:11
